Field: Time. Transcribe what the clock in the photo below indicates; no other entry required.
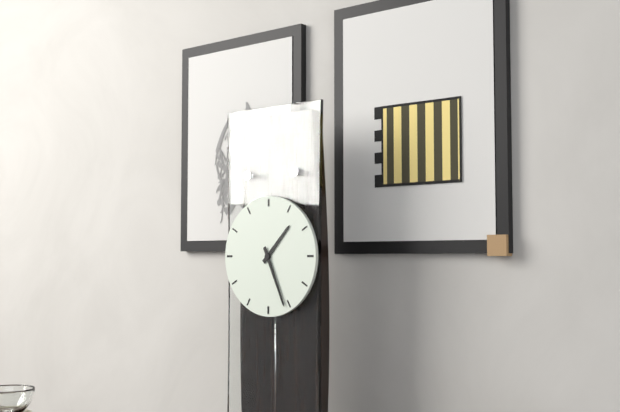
1:26
